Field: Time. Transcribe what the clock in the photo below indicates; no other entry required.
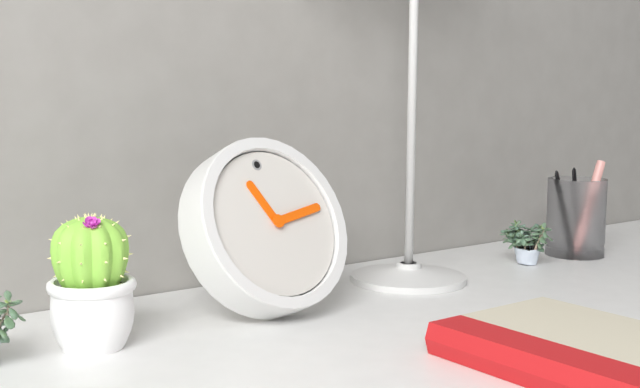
11:14
